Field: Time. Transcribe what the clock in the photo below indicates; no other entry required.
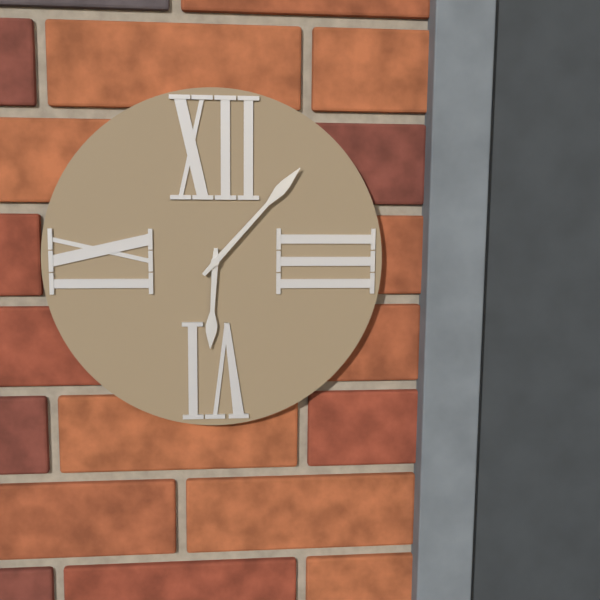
6:07
